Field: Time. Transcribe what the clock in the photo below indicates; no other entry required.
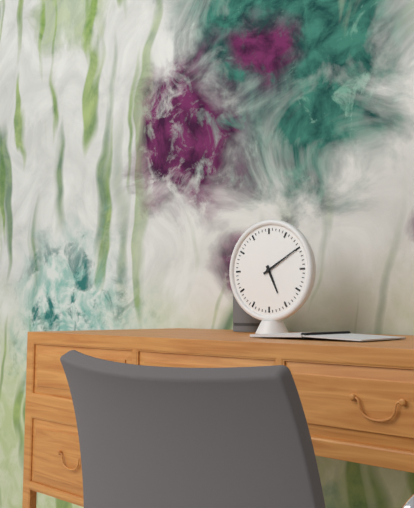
5:10
